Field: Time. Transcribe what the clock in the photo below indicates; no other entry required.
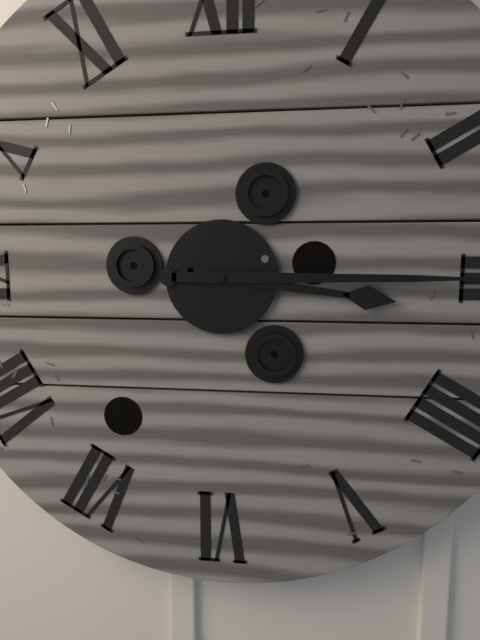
3:15
